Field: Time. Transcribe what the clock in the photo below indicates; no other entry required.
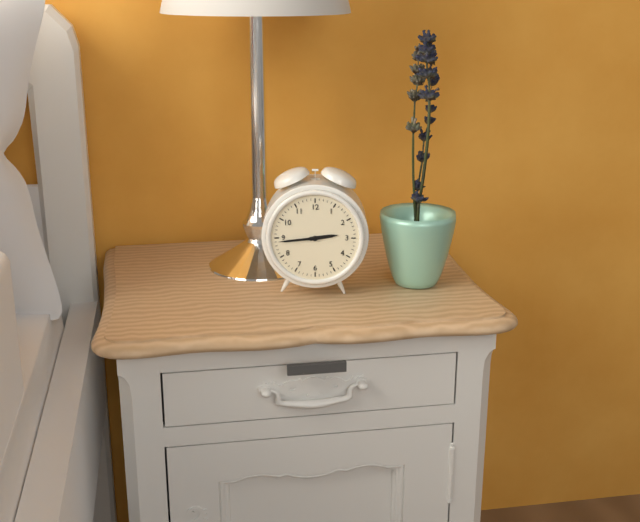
2:44
